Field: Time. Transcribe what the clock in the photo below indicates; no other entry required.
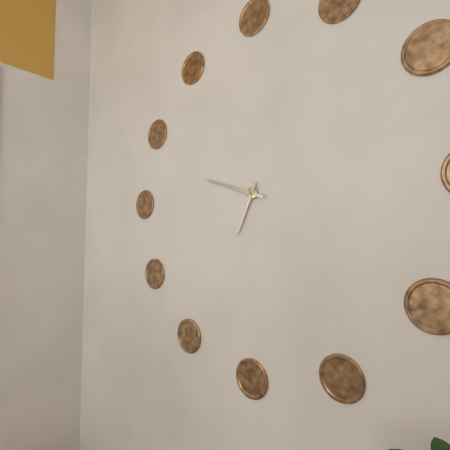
6:48
